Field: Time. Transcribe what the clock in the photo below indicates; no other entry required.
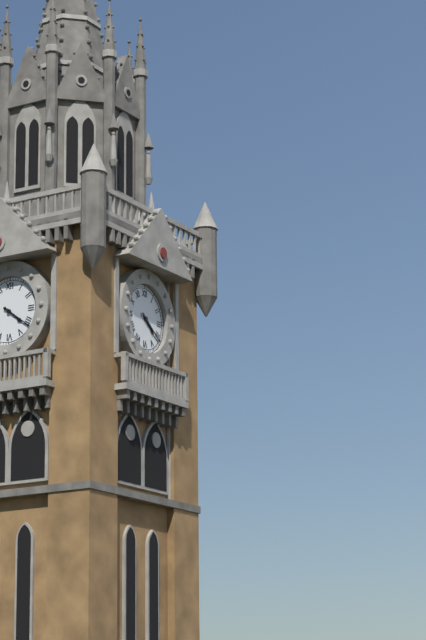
4:21
